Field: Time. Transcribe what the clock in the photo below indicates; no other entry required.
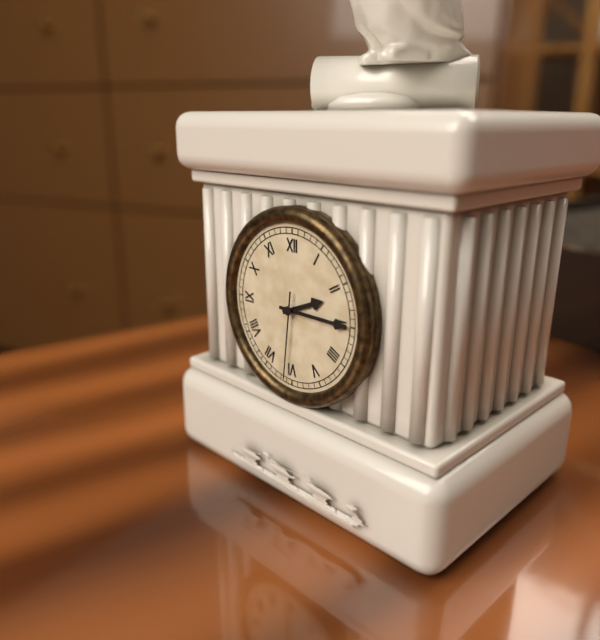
2:15:31
